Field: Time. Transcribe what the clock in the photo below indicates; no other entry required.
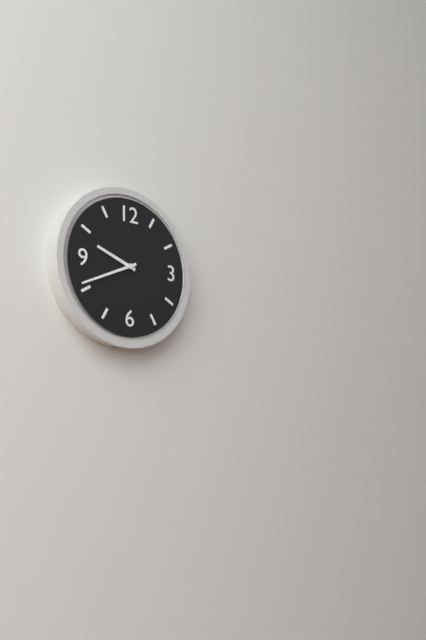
9:41
